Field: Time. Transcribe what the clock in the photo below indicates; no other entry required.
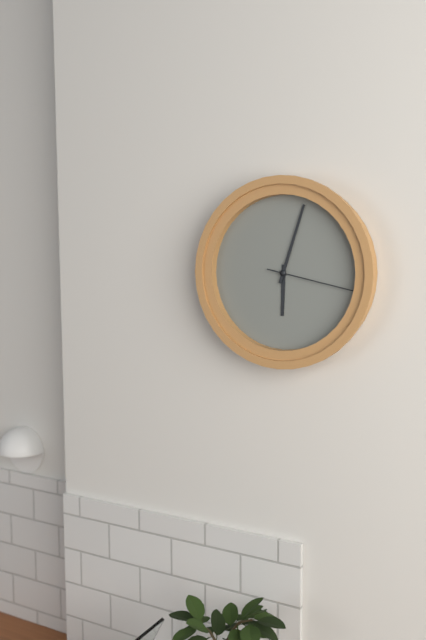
6:03:17
